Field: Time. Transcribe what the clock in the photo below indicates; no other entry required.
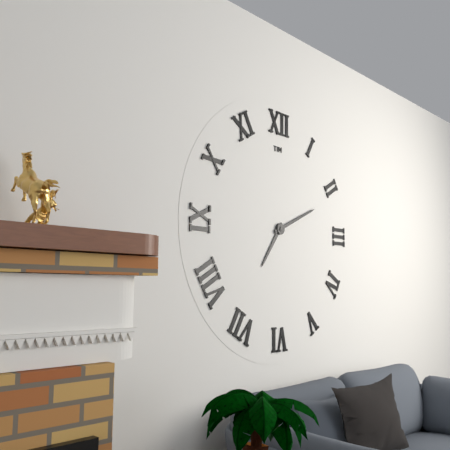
7:11
